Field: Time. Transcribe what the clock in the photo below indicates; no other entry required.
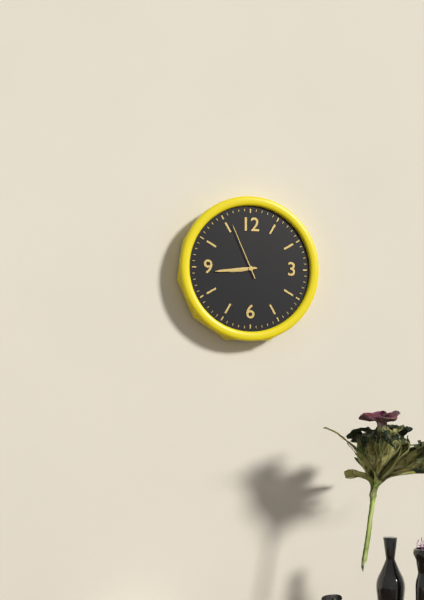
8:44:56
